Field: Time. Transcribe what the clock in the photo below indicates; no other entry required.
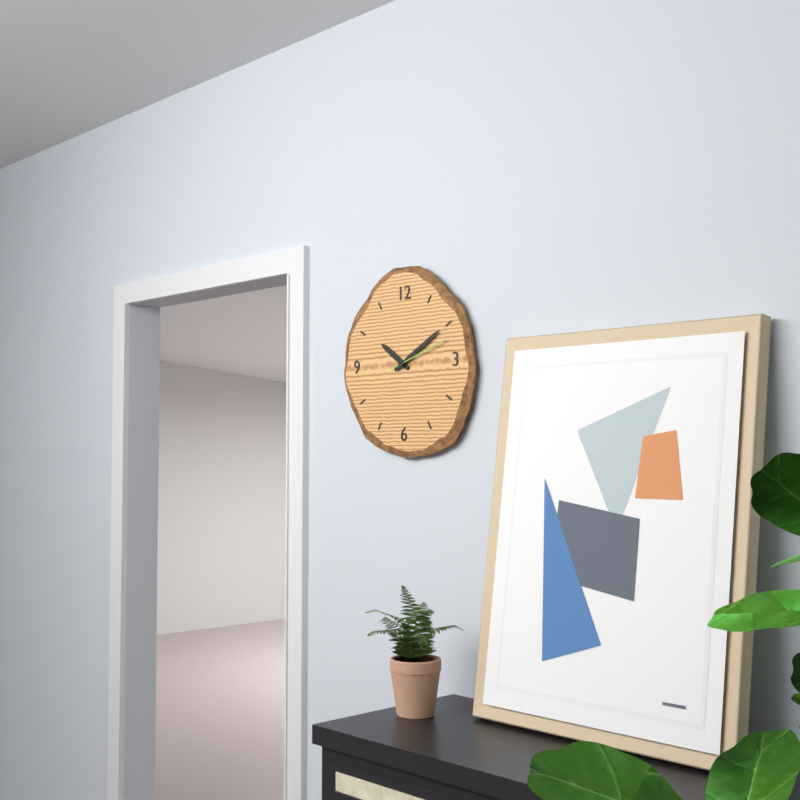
10:10:12
